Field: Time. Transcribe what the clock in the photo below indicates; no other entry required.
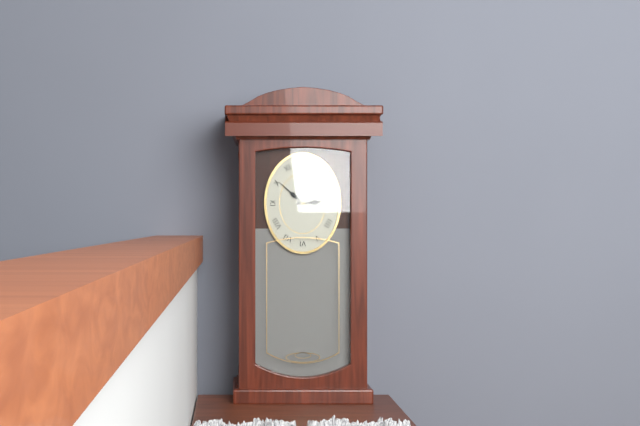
2:52
